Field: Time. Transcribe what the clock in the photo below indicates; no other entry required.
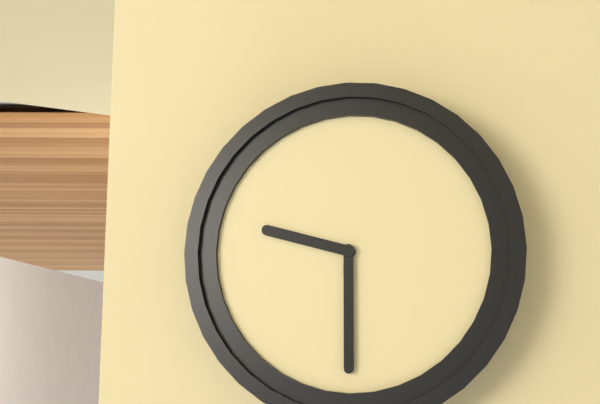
9:30
